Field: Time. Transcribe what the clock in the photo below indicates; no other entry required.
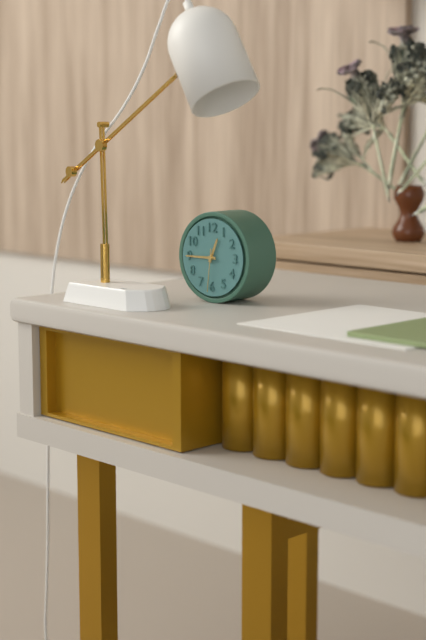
12:45
